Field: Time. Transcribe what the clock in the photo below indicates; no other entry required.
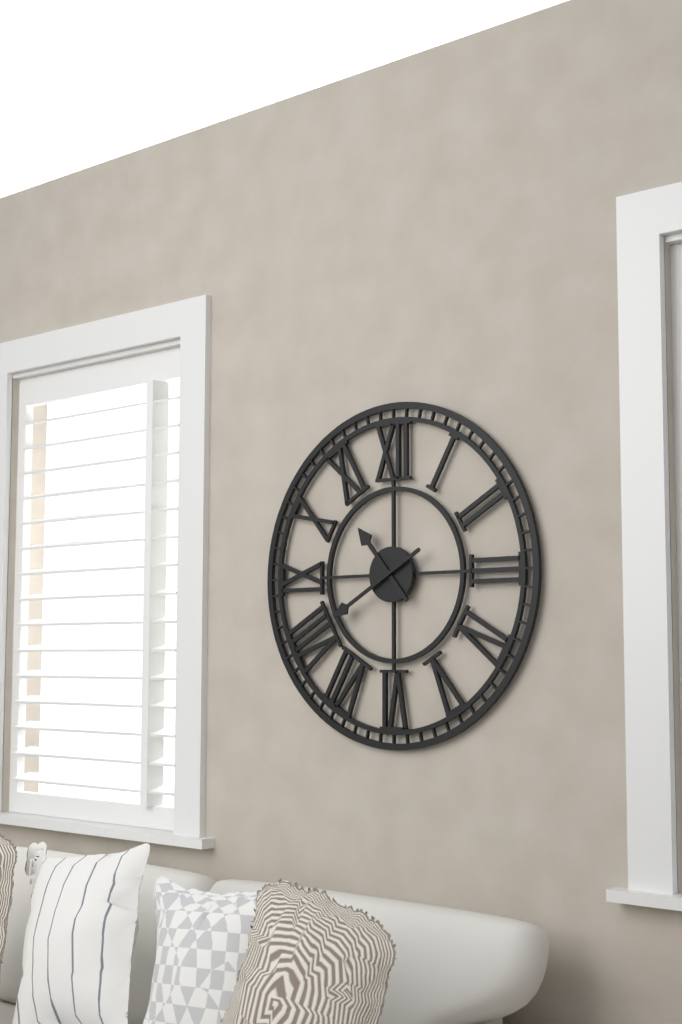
10:40
